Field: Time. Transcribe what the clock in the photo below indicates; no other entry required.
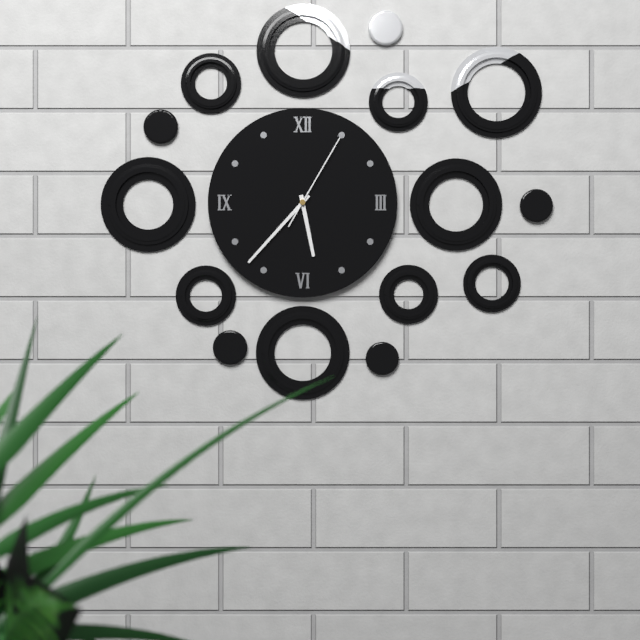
5:37:05
